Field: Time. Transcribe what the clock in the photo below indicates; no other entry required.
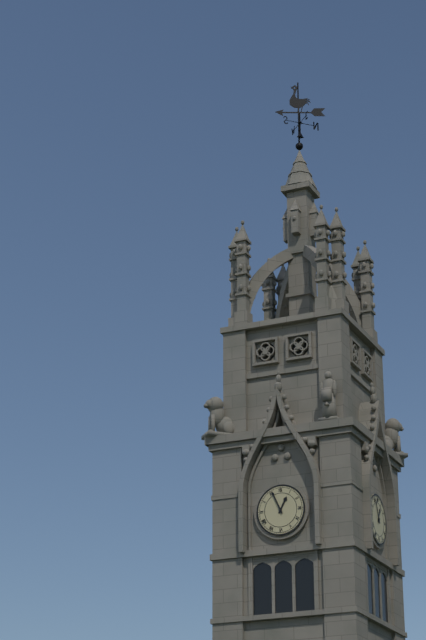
12:56
